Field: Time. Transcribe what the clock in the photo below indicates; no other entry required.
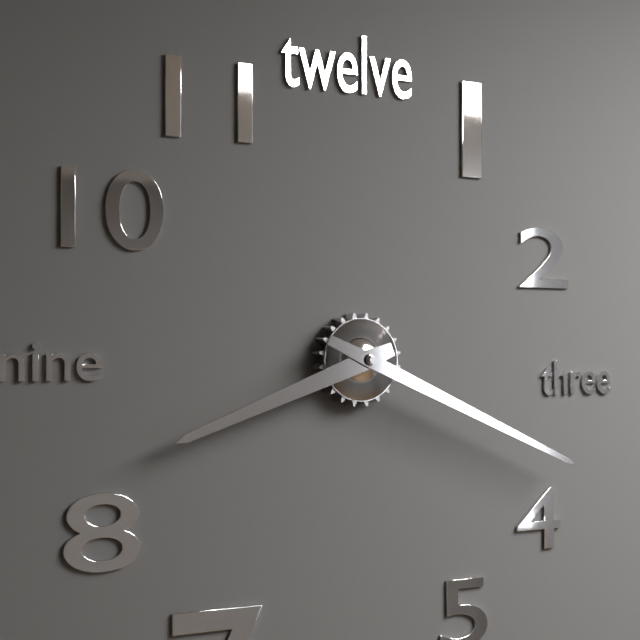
8:19
